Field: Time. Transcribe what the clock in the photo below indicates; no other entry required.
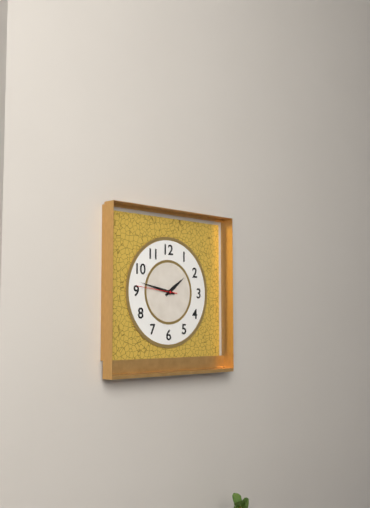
1:47
